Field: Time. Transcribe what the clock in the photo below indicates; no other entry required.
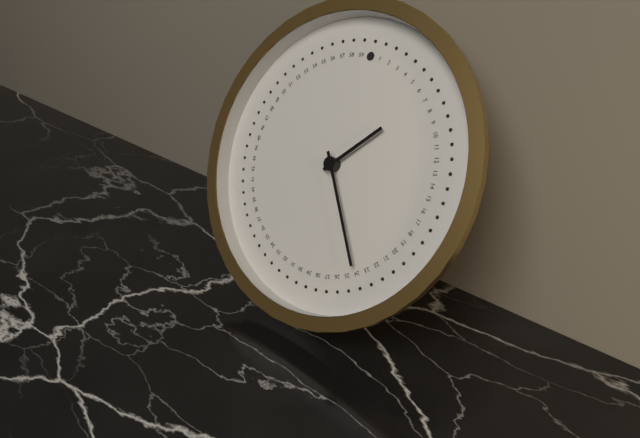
1:24
